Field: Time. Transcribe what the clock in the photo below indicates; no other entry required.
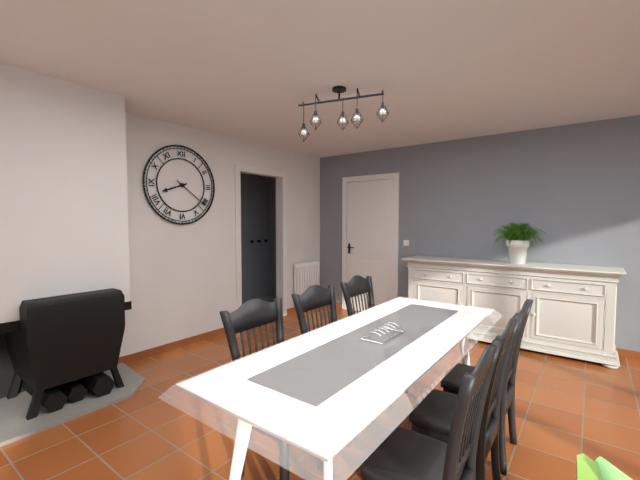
8:21
